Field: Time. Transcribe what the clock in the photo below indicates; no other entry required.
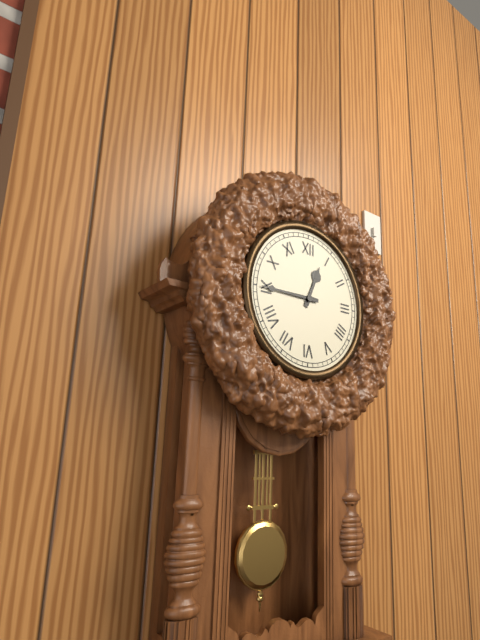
12:45
